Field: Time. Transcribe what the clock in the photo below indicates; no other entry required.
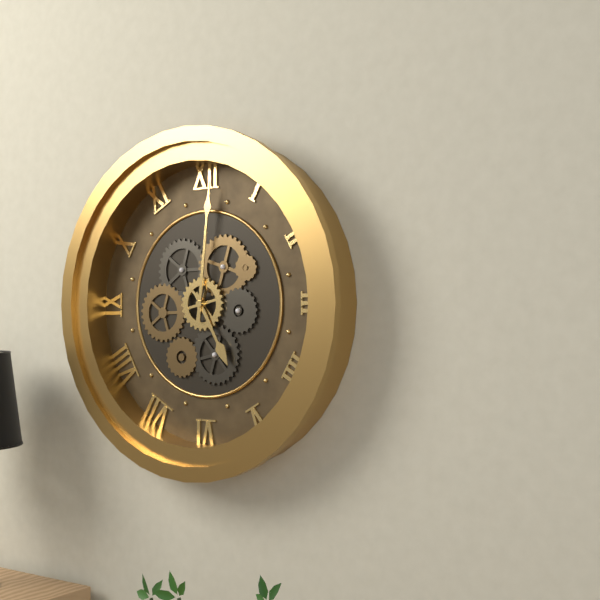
5:01
